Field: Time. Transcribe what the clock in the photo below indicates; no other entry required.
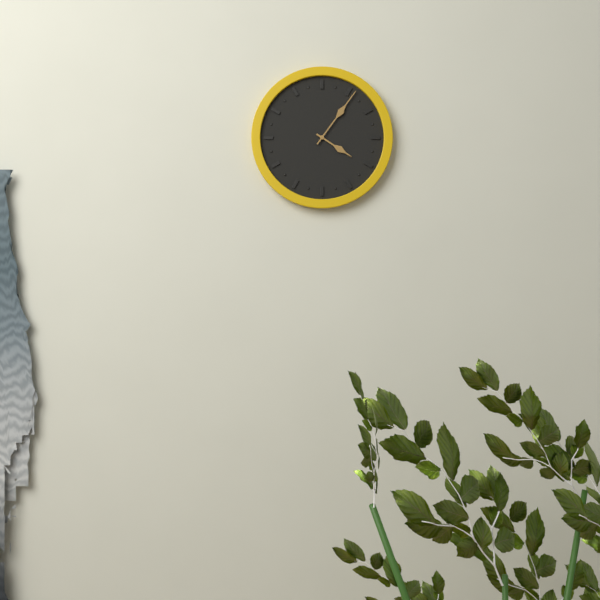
4:06
